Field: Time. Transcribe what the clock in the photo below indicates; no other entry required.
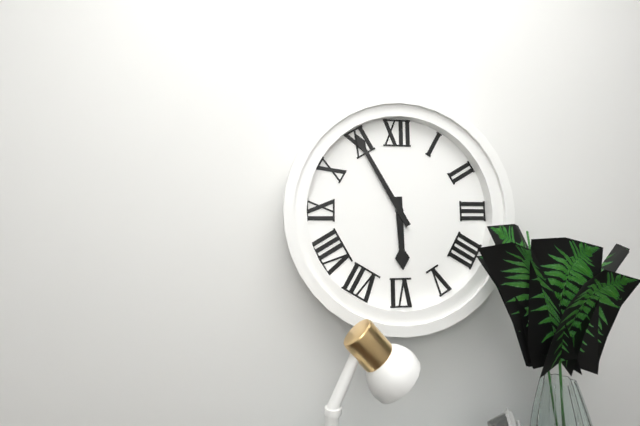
5:55
